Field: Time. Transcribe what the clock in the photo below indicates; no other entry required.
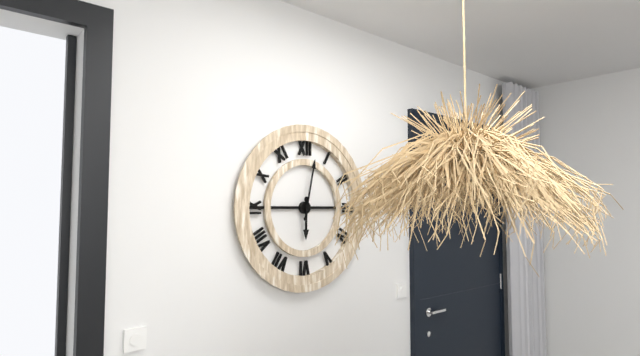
6:02
